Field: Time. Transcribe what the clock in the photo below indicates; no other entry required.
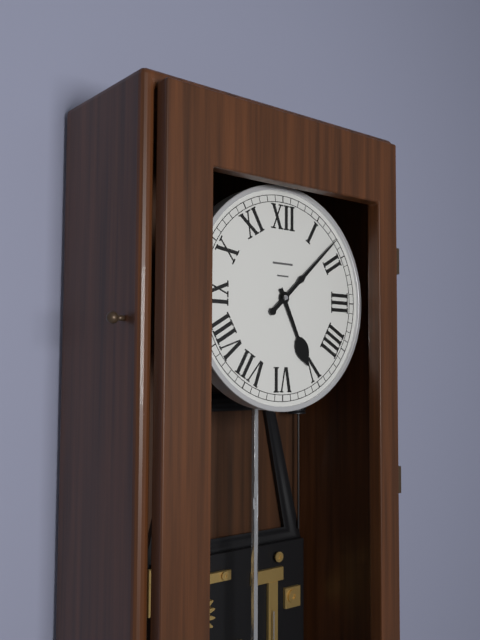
5:08
